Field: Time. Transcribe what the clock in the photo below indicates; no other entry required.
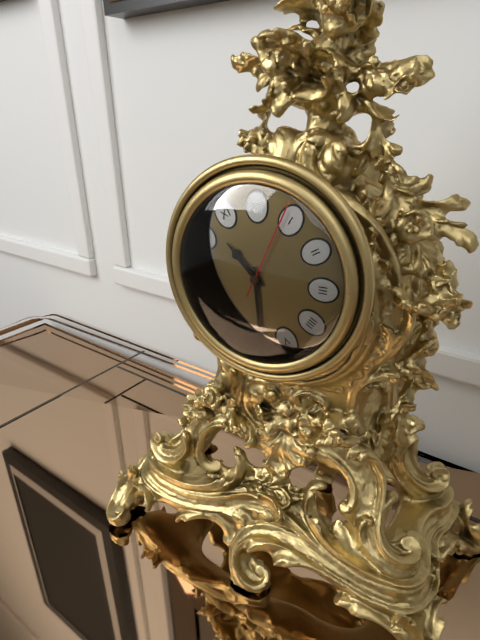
10:29:04
